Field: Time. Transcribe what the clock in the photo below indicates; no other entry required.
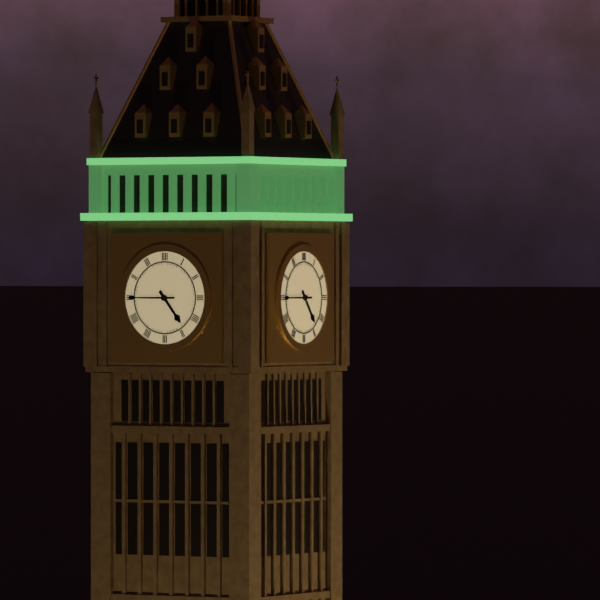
4:45
